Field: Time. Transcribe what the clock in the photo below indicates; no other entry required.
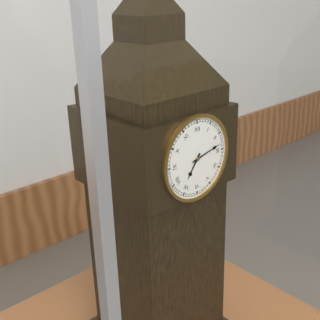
7:13
